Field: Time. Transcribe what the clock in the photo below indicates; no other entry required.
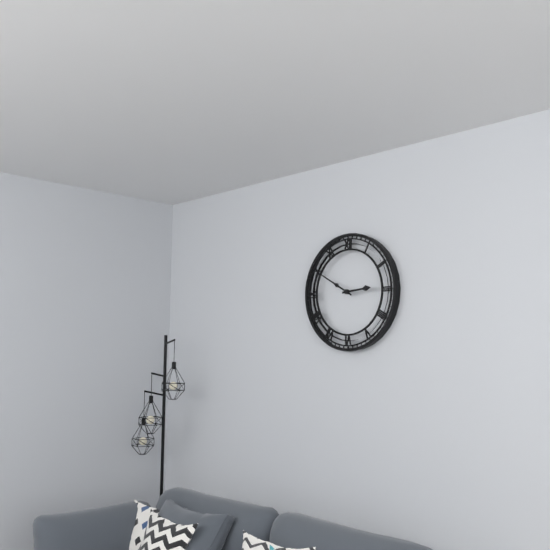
2:50
